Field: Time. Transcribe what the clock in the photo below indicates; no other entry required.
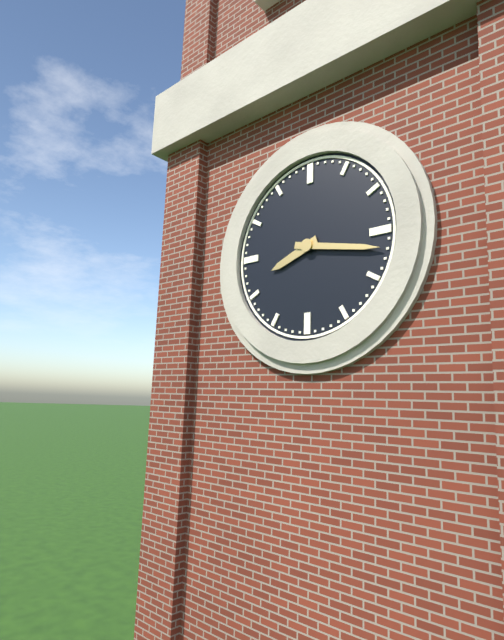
8:17
